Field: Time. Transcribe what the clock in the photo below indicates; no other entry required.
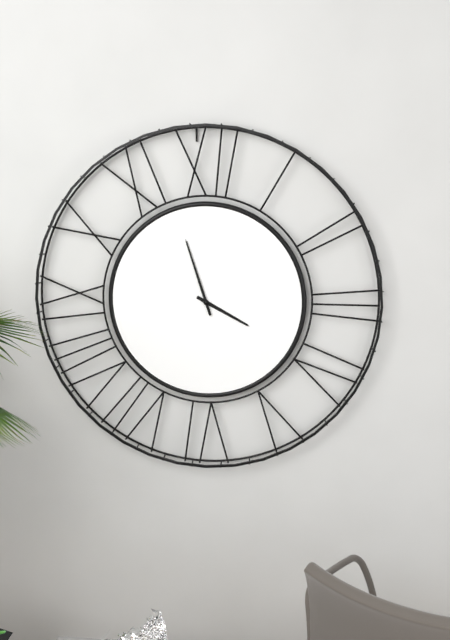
3:57
